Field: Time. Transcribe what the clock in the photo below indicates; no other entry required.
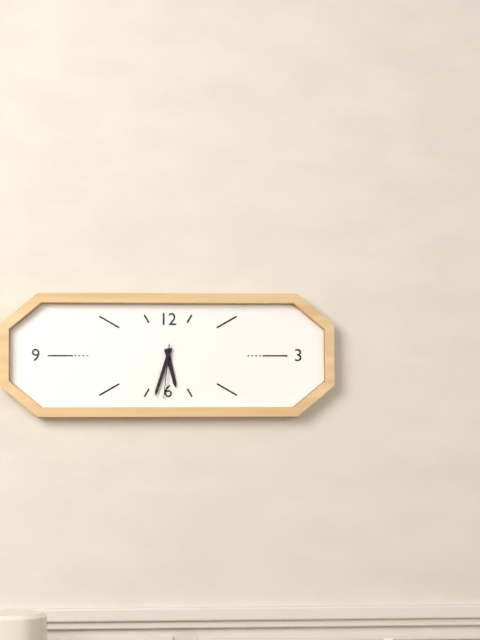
5:33:31
